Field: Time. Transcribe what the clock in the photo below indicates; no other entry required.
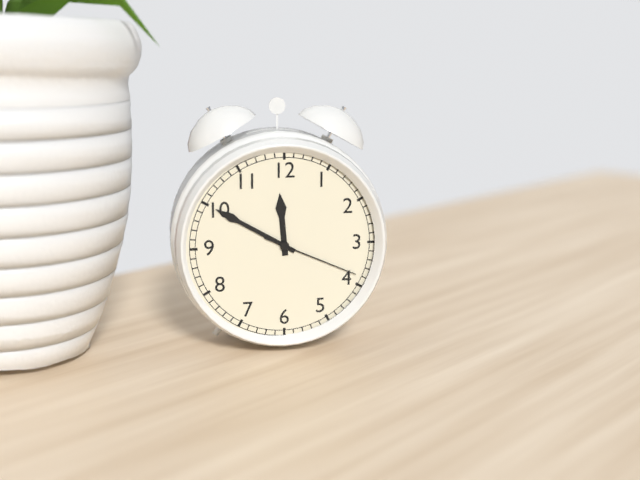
11:50:19
